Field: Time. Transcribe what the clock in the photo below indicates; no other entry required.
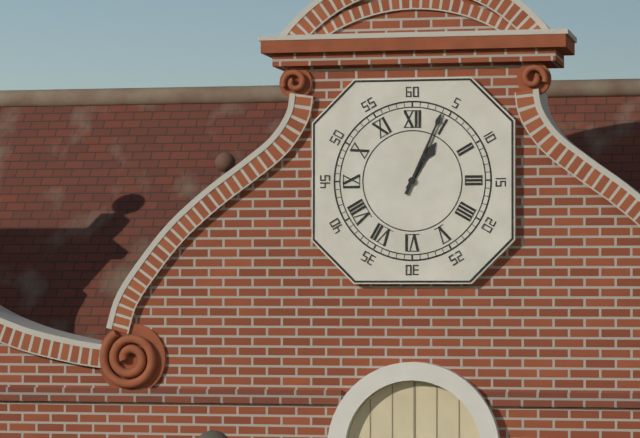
1:04
